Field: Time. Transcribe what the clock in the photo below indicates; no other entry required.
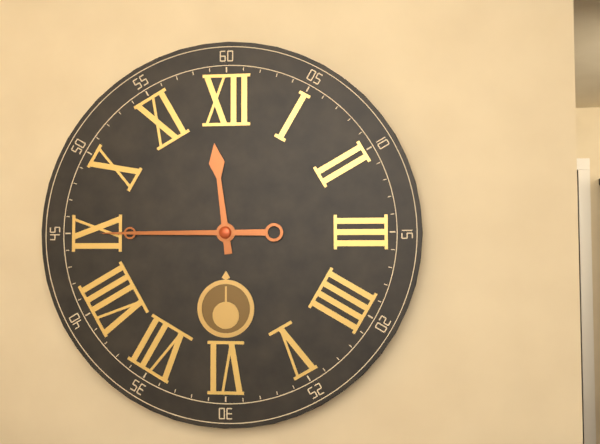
11:45
